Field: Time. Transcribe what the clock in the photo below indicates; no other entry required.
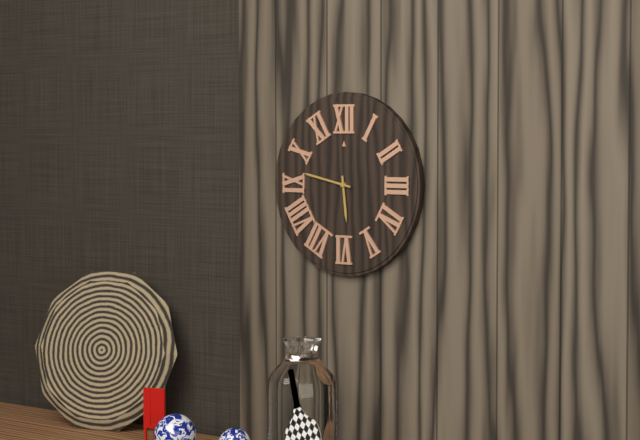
5:47
